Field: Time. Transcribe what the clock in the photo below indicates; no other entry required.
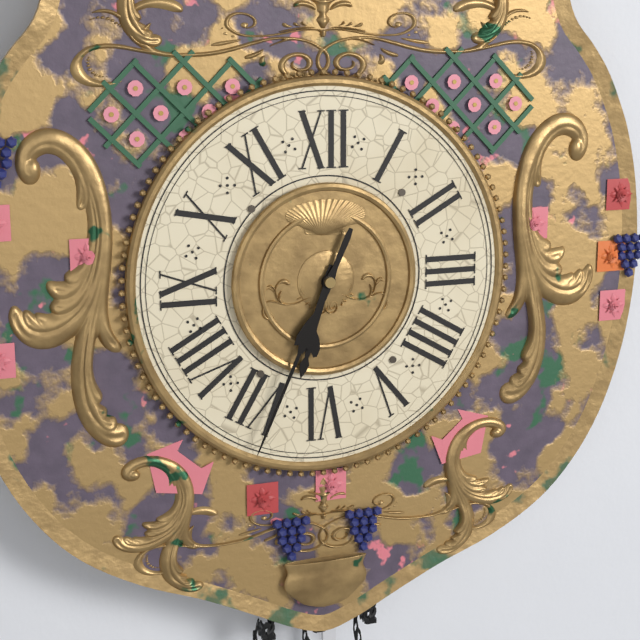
6:34
